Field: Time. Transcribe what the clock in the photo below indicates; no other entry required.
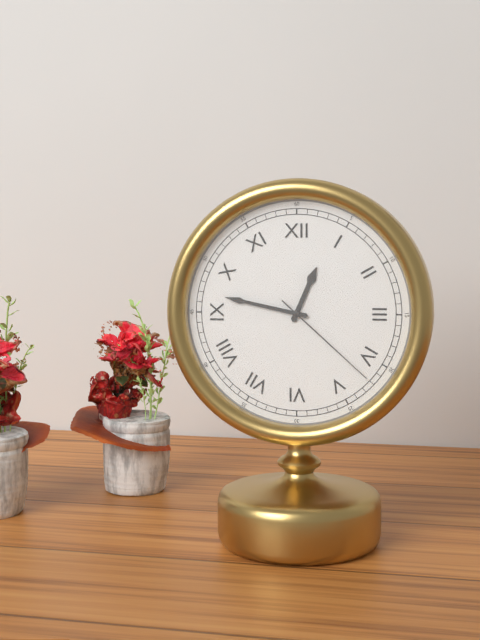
12:47:22
